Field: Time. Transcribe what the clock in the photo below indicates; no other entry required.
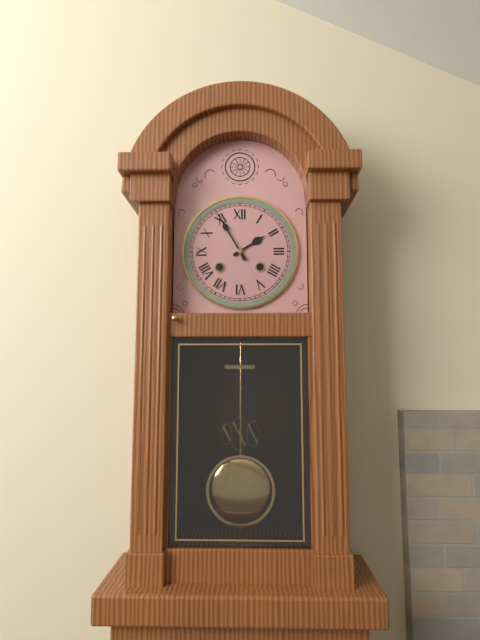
1:55
